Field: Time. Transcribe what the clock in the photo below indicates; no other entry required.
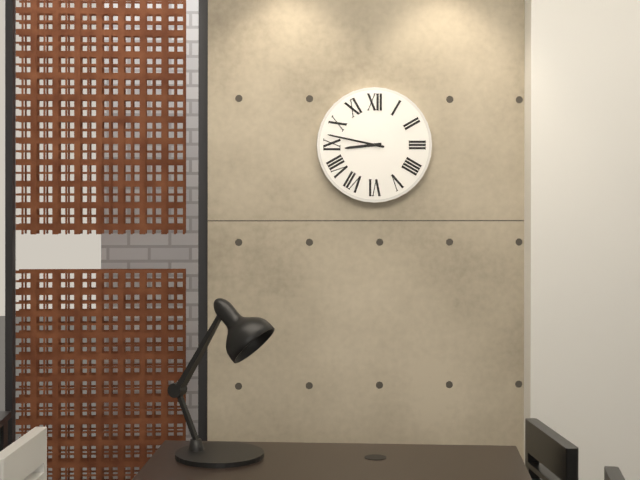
8:47
